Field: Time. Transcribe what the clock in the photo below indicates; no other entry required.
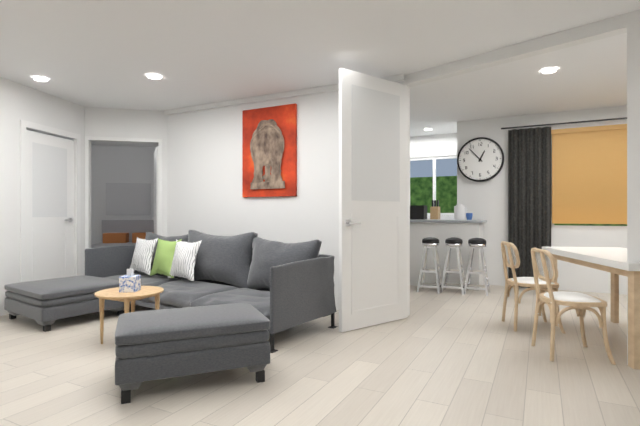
12:53
